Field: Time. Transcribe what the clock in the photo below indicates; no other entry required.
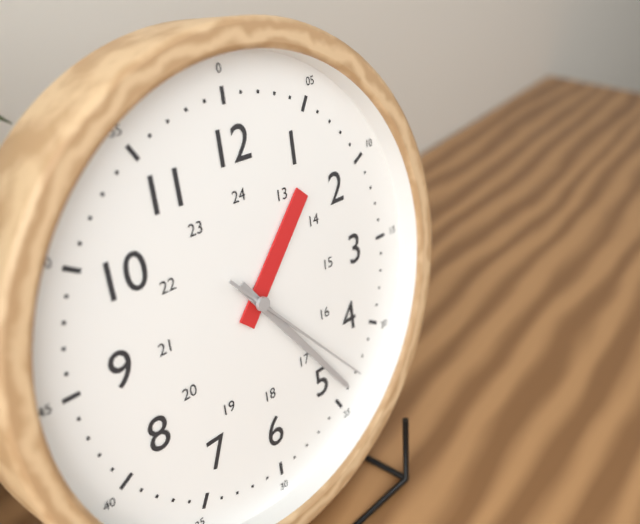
1:24:23
